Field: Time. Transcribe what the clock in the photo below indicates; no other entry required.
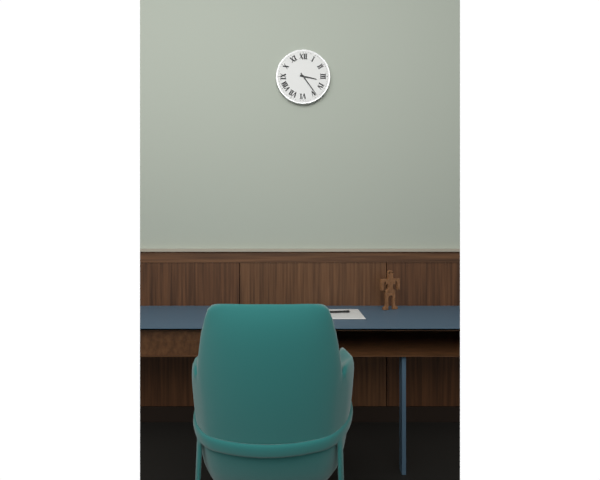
3:24
